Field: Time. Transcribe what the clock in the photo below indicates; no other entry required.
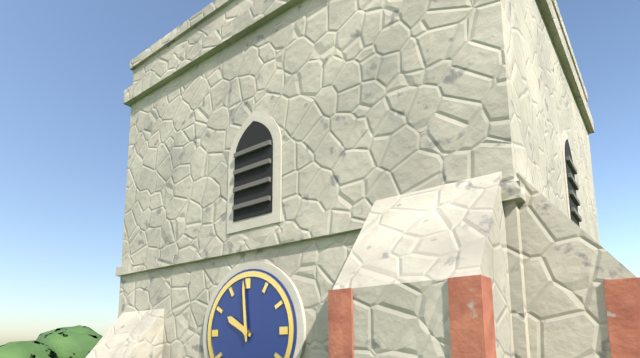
9:59
